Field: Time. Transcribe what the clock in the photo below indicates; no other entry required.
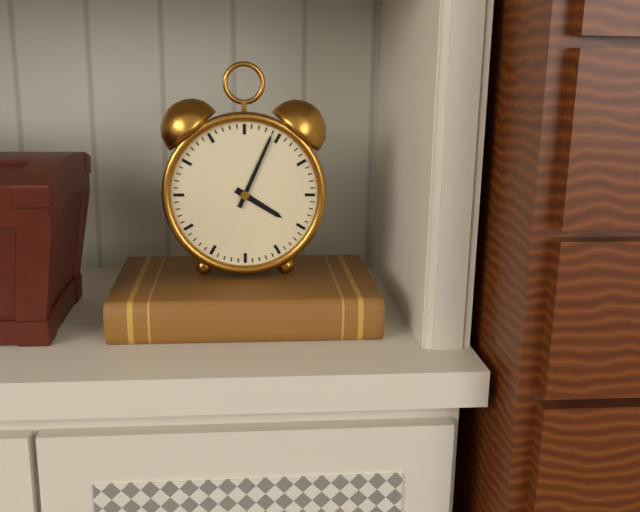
4:04
